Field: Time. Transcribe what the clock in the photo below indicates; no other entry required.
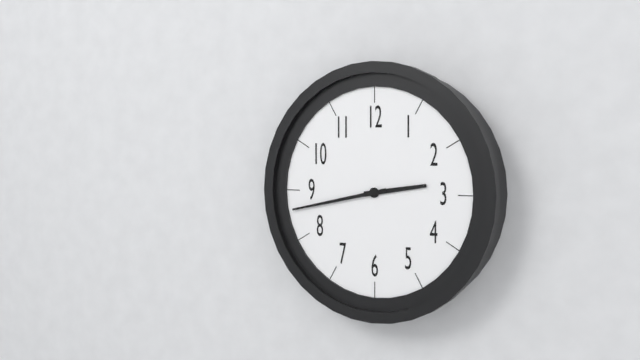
2:43
